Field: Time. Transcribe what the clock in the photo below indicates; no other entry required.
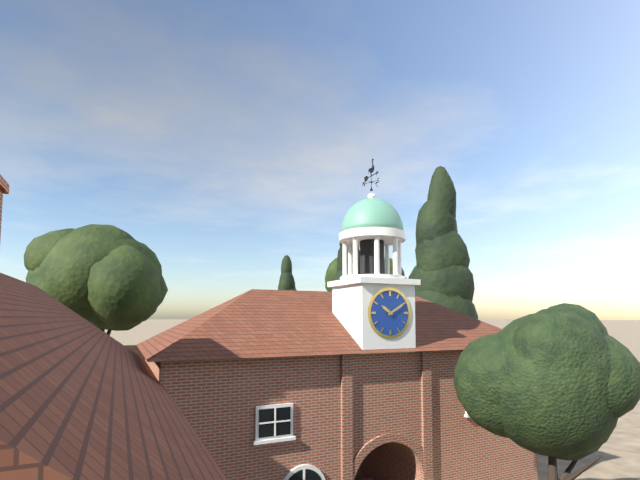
10:10
